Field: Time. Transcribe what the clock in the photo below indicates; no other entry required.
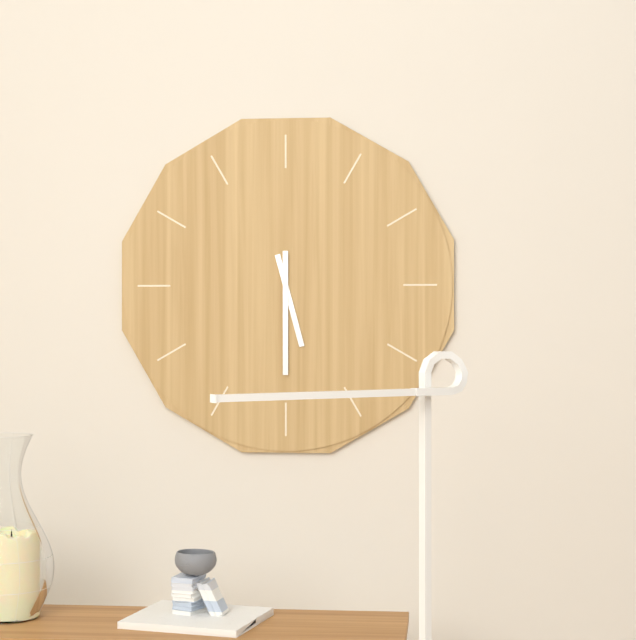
5:30
